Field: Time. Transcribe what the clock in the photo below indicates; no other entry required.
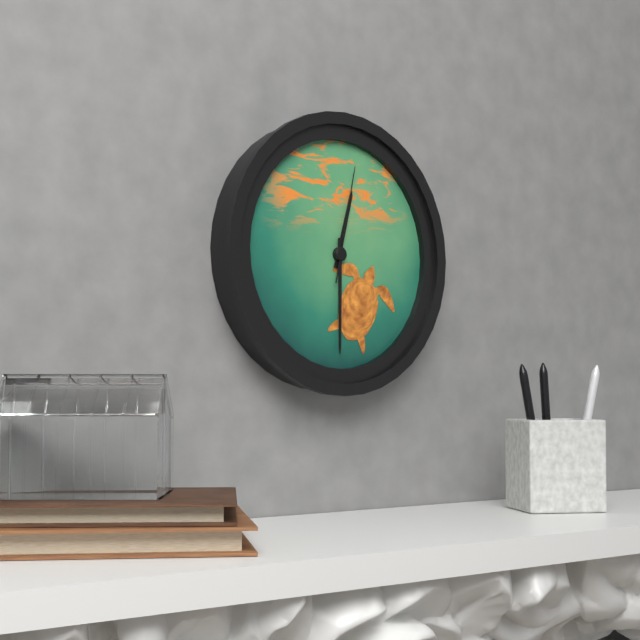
12:30:02
